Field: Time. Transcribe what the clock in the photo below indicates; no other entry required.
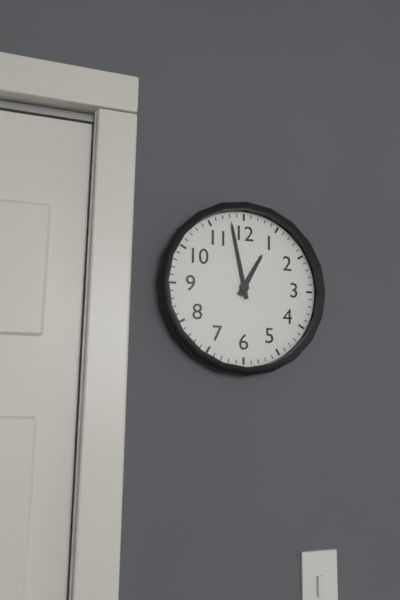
12:58
